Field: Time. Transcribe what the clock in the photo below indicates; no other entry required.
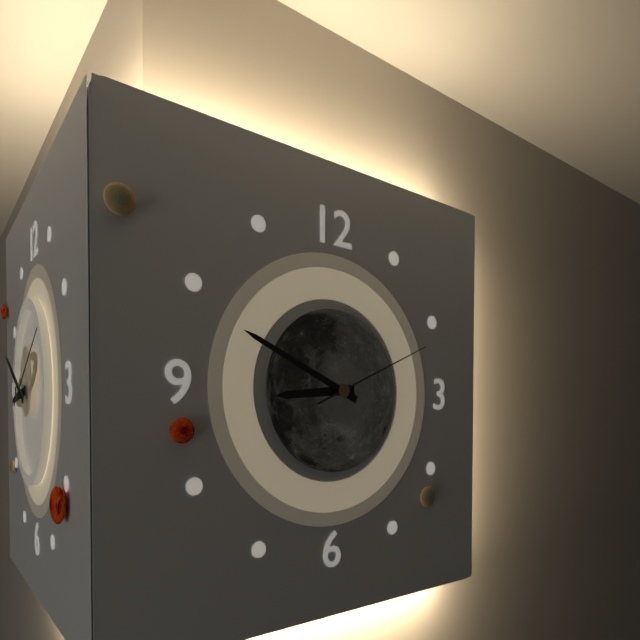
8:49:11
